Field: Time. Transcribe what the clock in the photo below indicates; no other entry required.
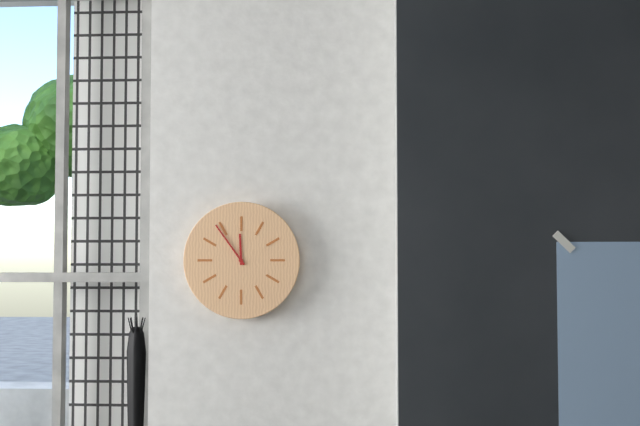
11:54
